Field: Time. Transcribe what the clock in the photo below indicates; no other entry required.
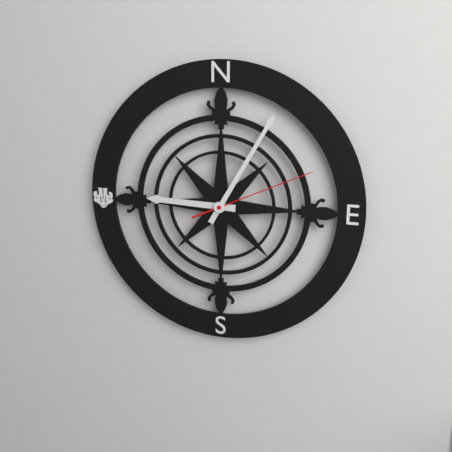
9:05:11
